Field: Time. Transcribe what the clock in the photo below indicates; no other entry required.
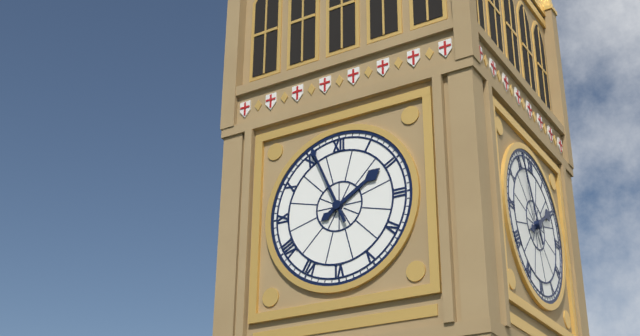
1:56
